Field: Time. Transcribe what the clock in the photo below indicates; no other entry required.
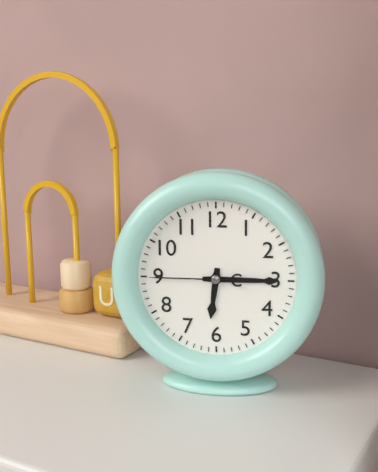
6:15:45
